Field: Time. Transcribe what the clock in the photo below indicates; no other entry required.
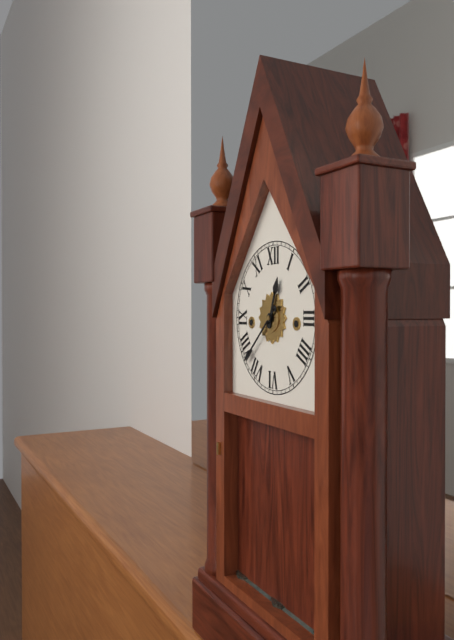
12:38
